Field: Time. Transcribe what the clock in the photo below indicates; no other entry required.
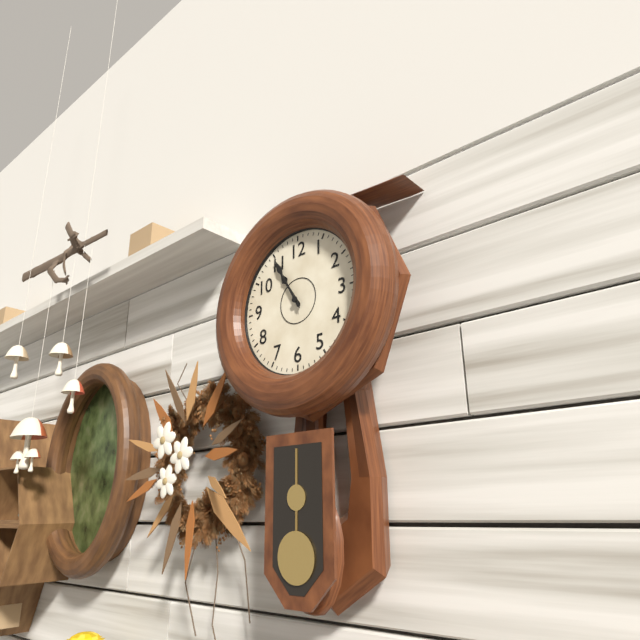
10:55
